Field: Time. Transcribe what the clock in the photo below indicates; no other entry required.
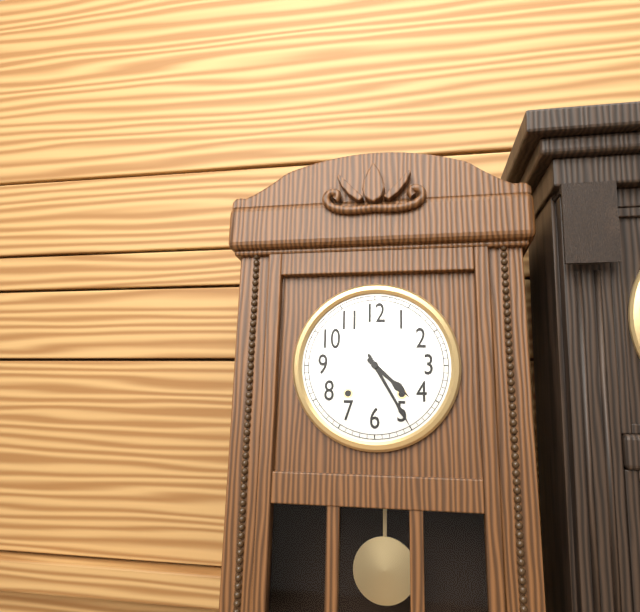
4:25
